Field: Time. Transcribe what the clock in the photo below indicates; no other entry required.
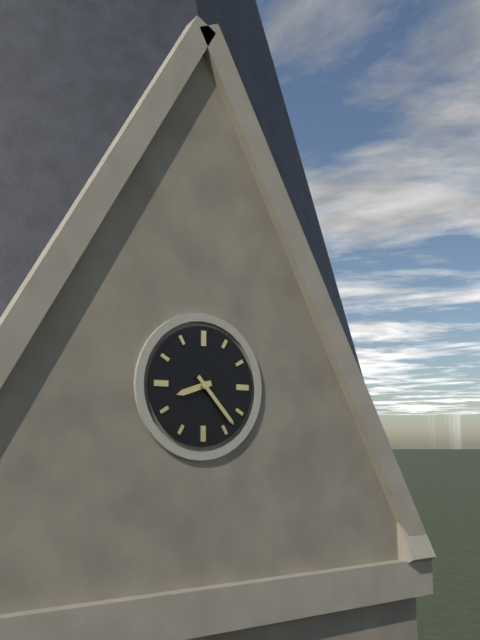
8:23
